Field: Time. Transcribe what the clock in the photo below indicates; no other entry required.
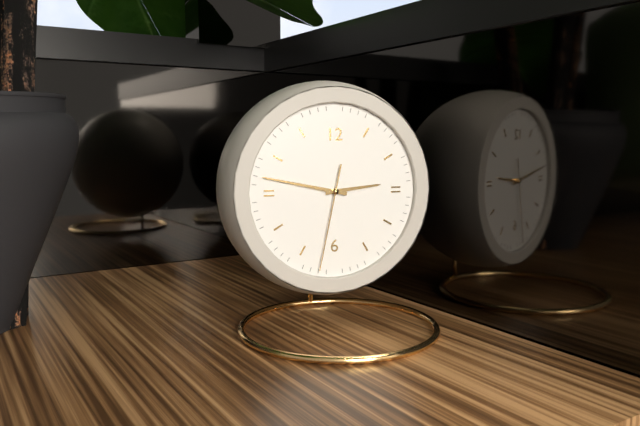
2:47:32
